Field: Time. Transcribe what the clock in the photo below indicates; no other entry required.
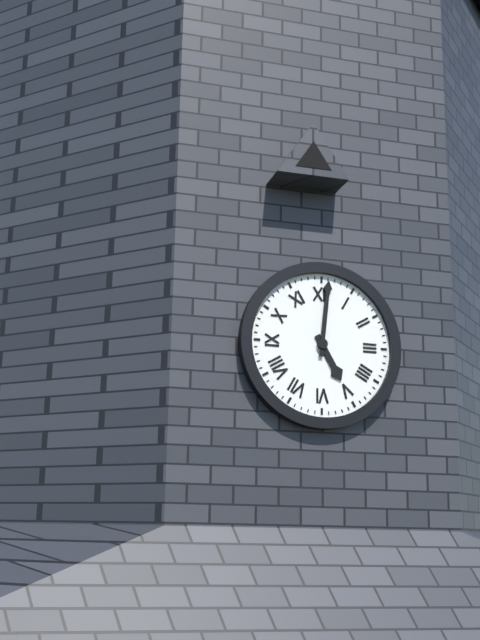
5:01
